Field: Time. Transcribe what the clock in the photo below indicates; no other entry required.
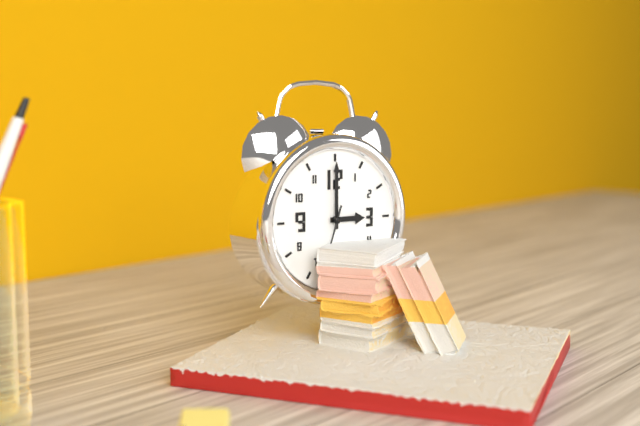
3:00
